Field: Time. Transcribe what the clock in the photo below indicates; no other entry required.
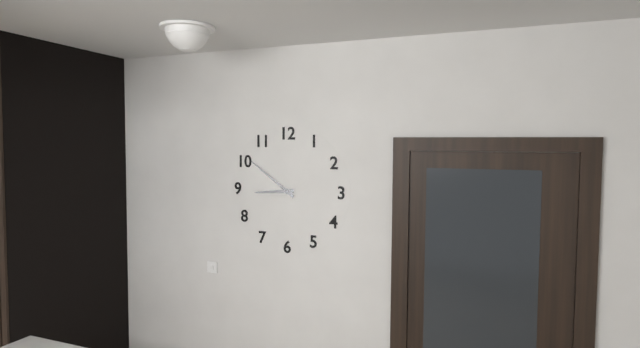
8:51
